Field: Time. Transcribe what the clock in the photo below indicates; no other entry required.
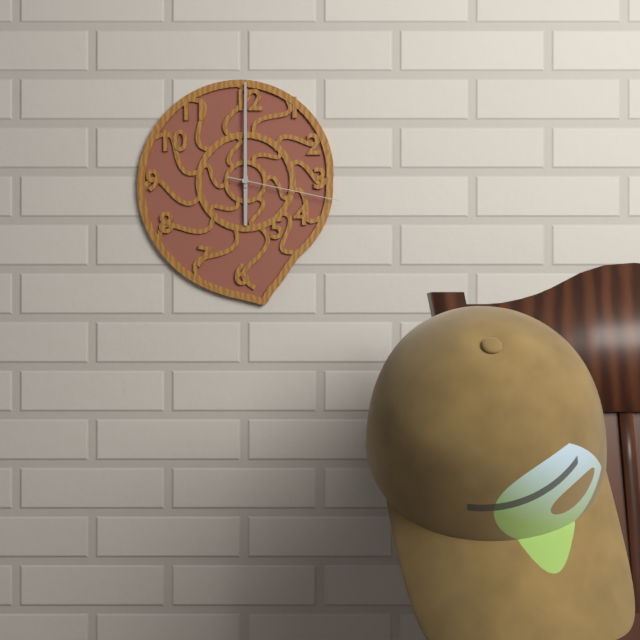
6:00:17
